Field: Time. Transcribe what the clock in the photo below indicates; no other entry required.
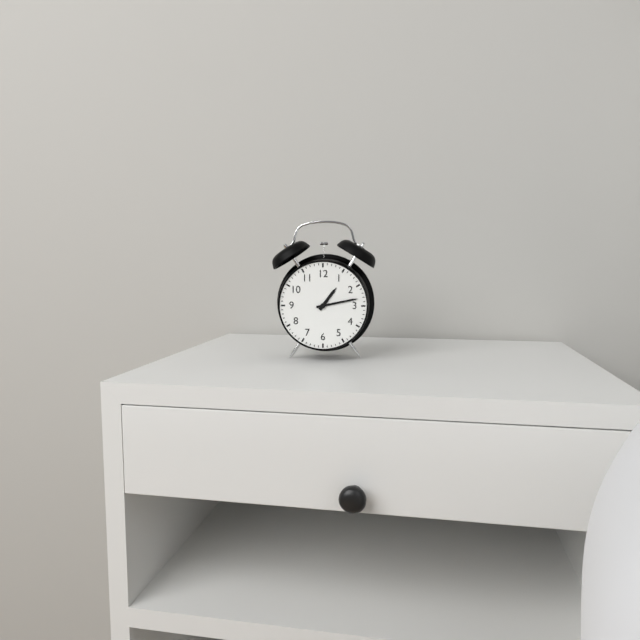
1:13
